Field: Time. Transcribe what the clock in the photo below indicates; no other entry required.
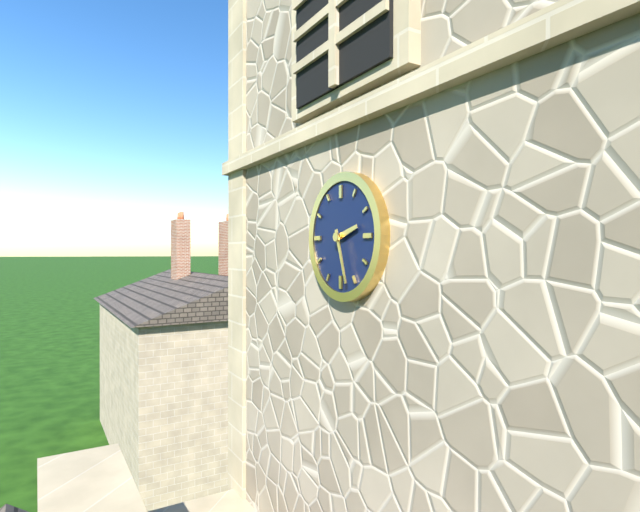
2:27
